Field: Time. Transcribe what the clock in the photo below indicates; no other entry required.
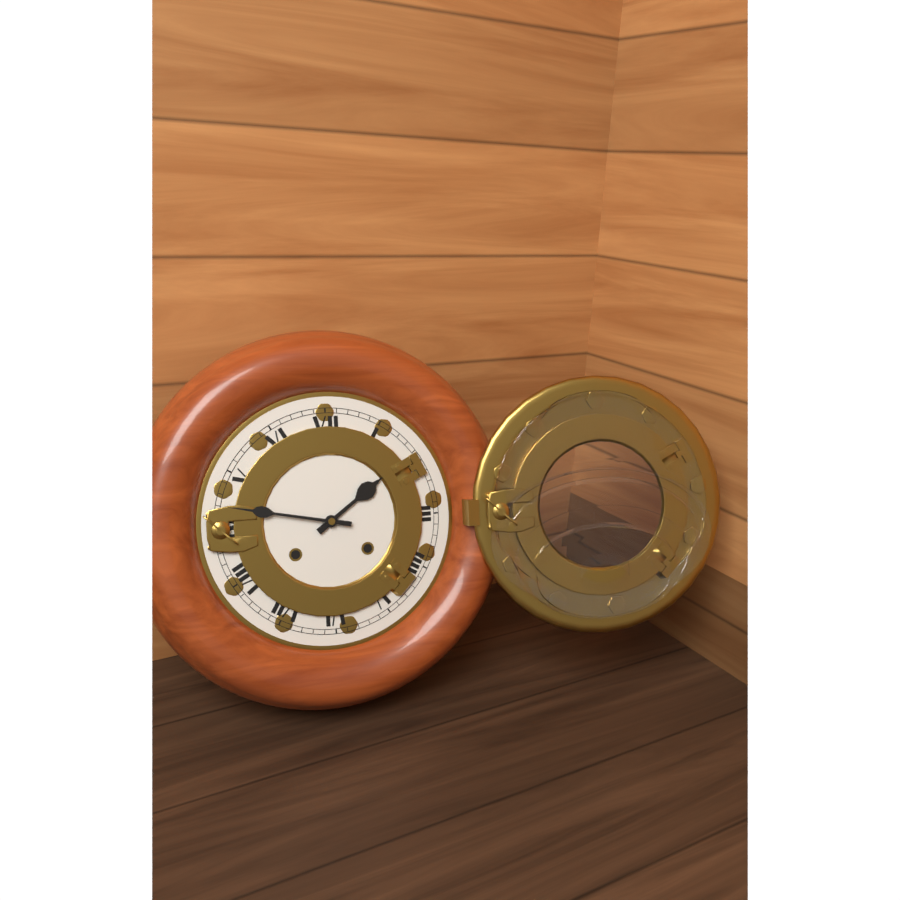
1:47
